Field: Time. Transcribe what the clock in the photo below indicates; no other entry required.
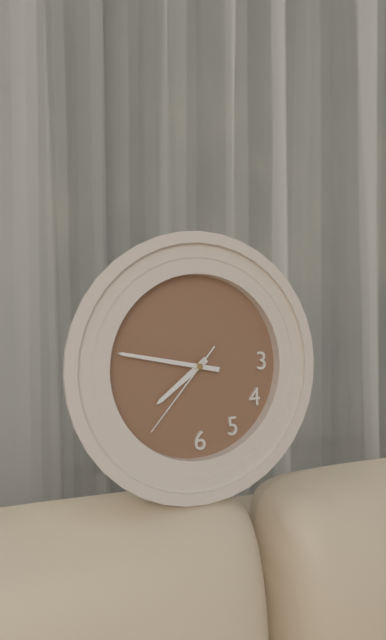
7:47:37
